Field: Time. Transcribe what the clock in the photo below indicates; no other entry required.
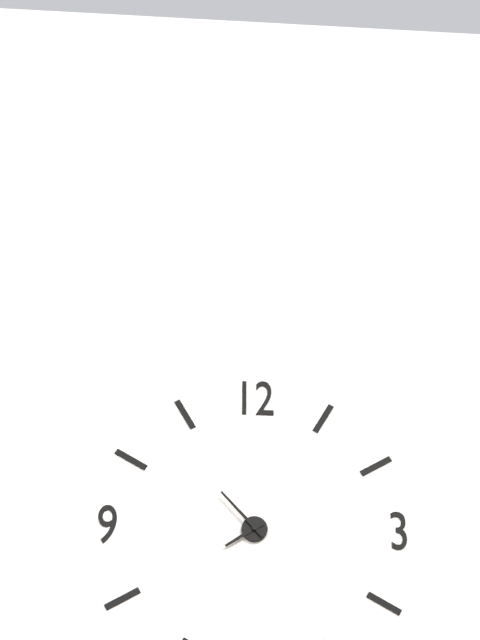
7:53
